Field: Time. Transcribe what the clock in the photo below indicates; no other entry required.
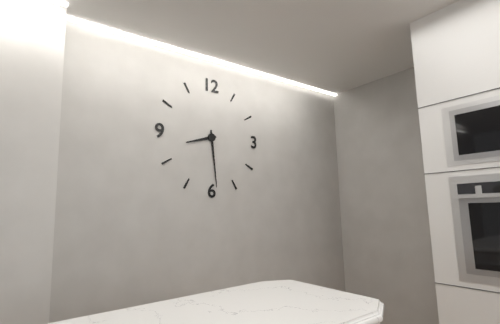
8:29
